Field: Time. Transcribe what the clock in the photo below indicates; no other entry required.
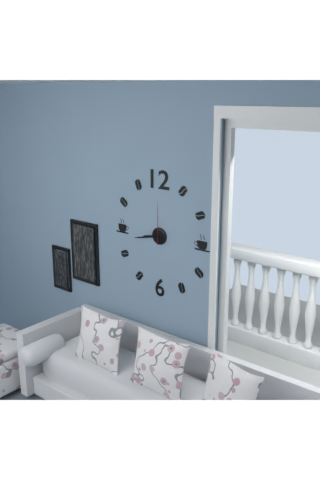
8:43
